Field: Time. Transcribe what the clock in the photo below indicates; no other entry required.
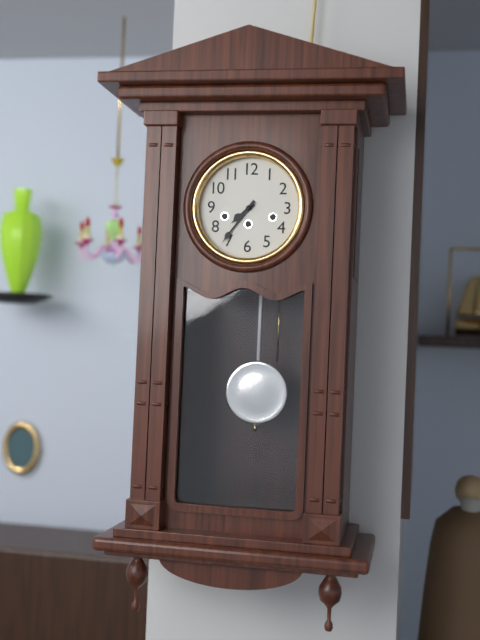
7:36
